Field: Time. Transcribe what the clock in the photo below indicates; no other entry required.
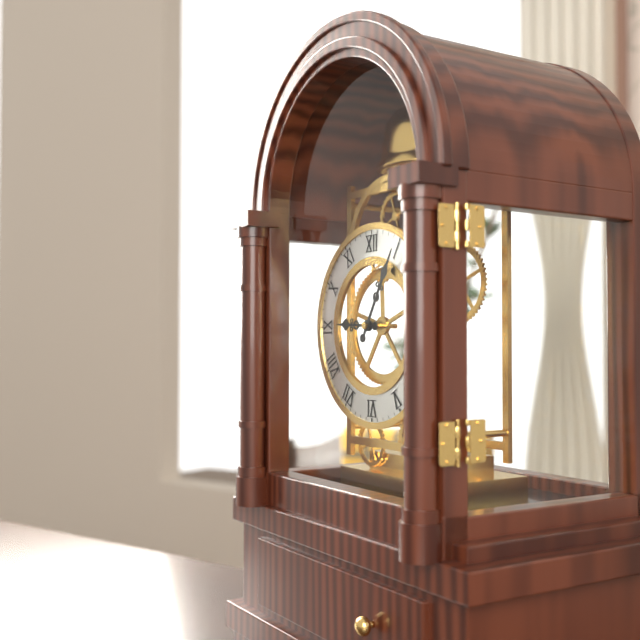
9:05
